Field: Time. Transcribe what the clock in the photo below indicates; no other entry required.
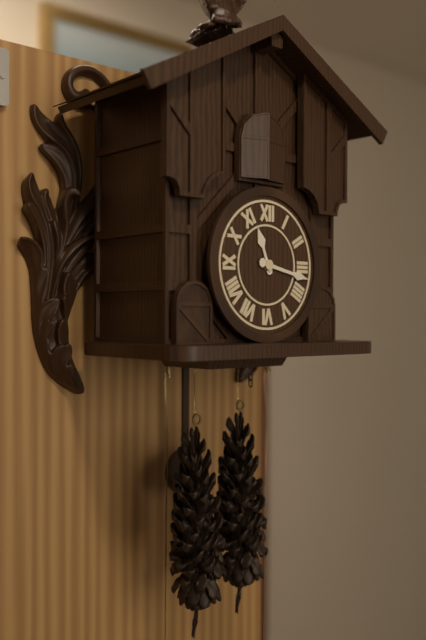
11:17
